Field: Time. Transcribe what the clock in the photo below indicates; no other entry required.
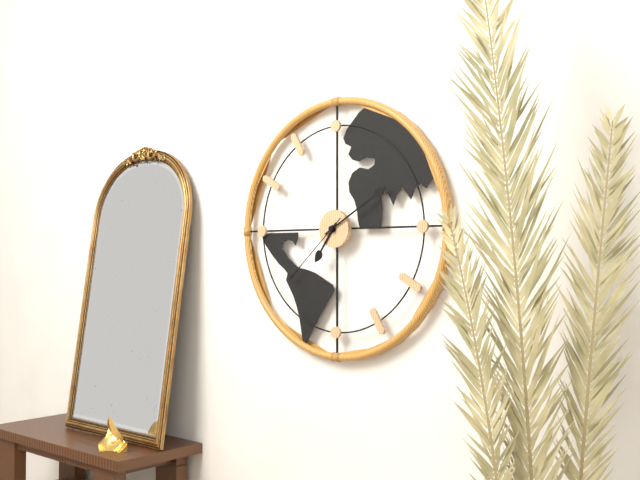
7:10:38
